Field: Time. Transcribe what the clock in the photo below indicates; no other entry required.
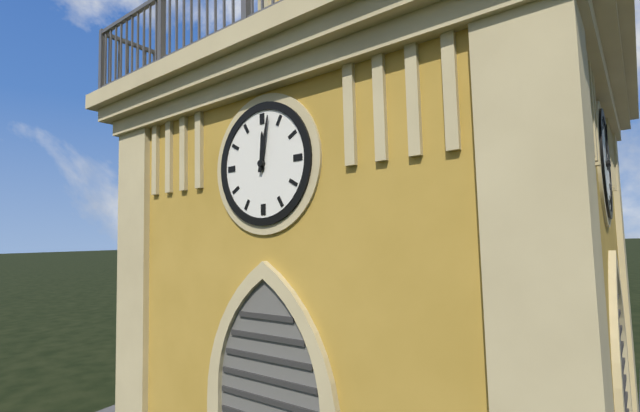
12:02
